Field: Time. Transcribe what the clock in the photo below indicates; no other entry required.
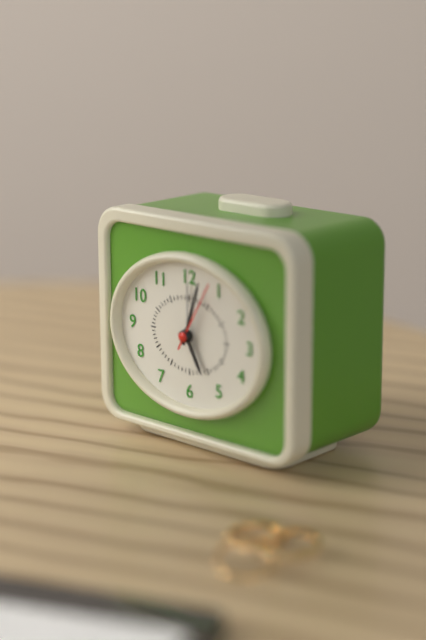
5:03:05
